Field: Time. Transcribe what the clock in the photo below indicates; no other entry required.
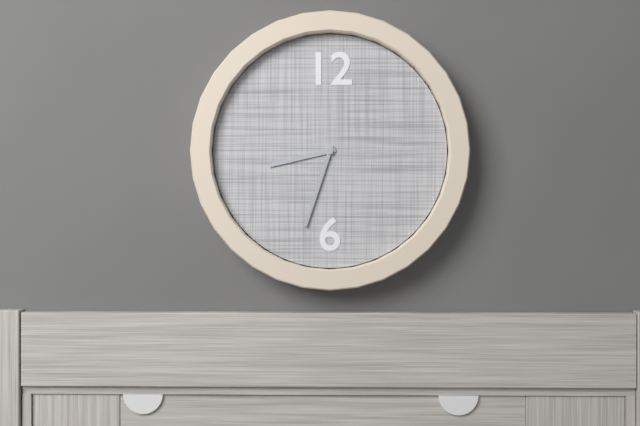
8:33
